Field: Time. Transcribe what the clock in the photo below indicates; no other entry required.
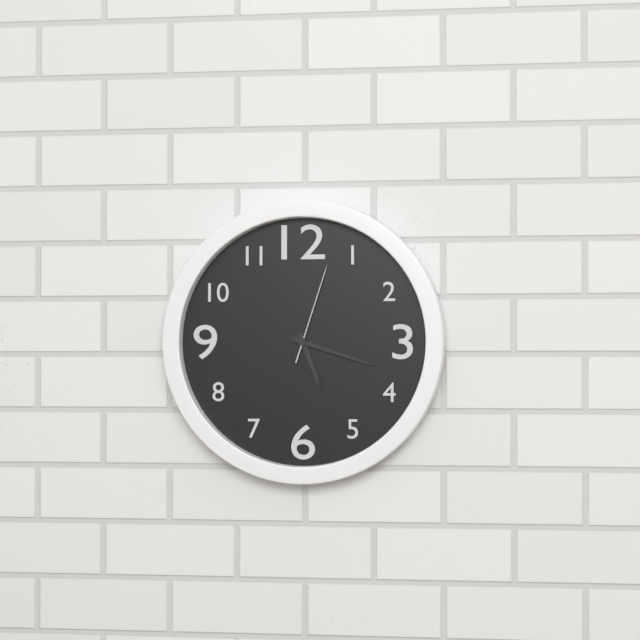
5:18:03
